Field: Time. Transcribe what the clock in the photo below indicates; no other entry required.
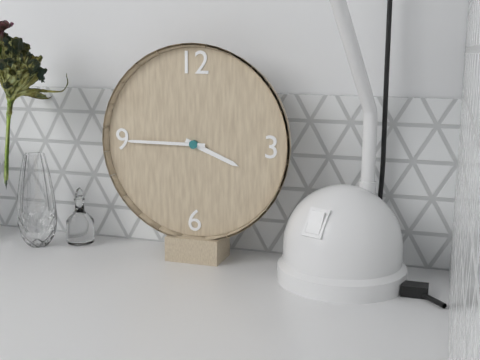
3:45
